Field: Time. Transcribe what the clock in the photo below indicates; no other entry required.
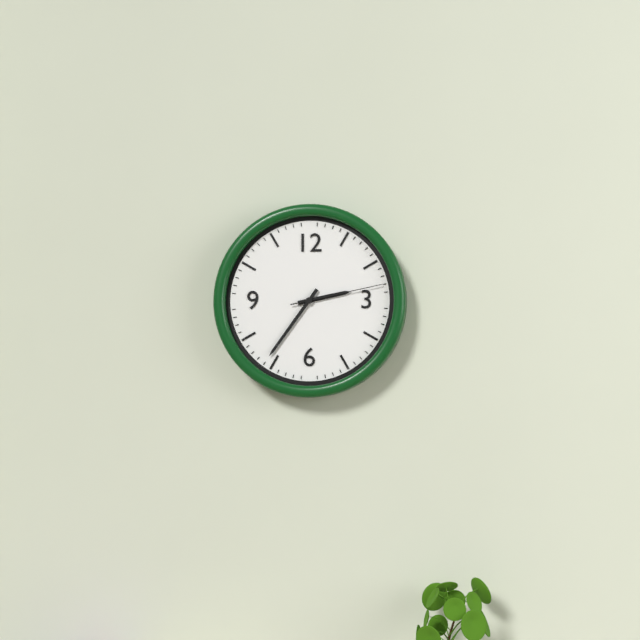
2:36:13
